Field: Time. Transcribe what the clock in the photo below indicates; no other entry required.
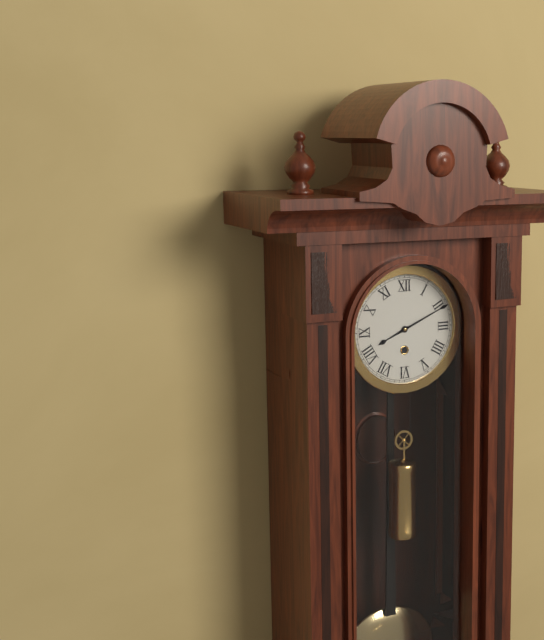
8:11
